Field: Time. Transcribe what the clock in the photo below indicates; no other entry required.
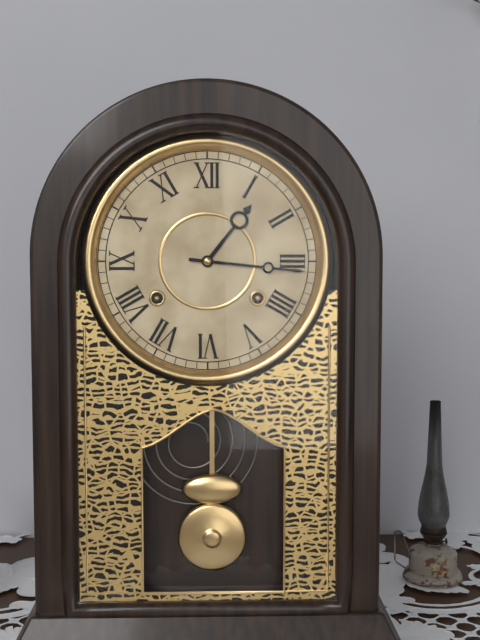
1:16
